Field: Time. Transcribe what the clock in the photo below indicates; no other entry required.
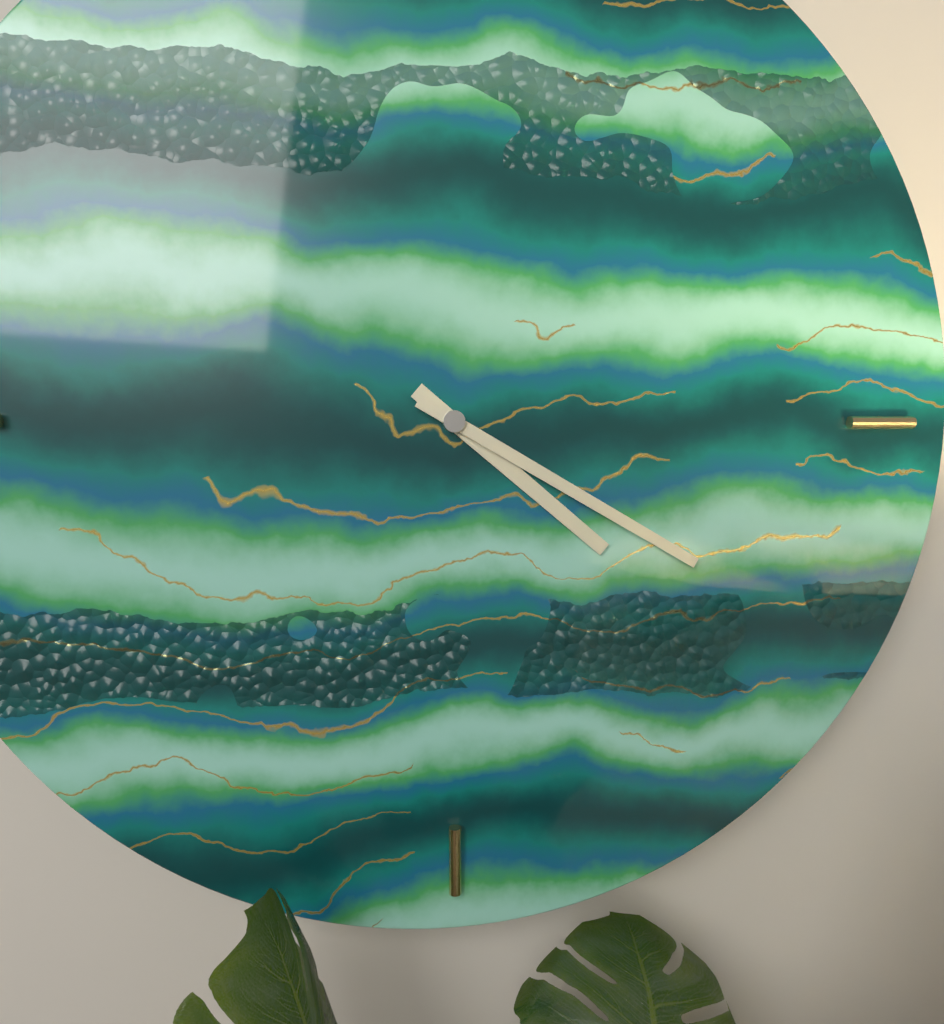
4:20
